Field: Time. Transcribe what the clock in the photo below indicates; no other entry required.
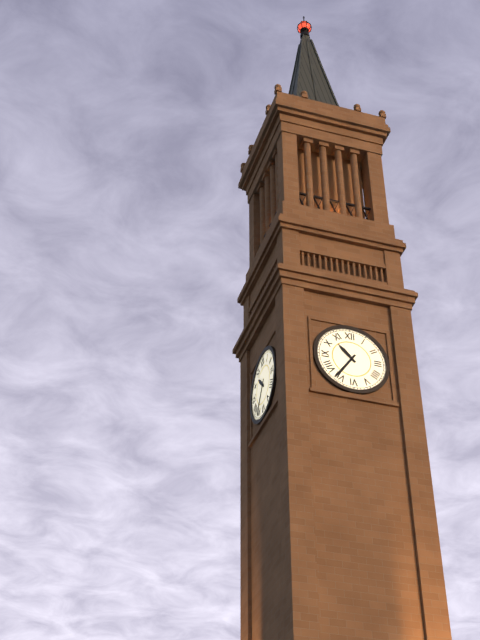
10:36
